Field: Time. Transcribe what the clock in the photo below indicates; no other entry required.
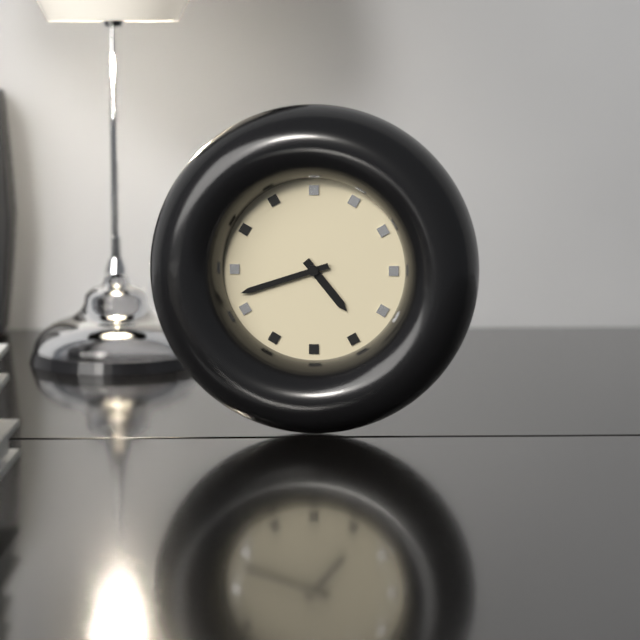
4:42
